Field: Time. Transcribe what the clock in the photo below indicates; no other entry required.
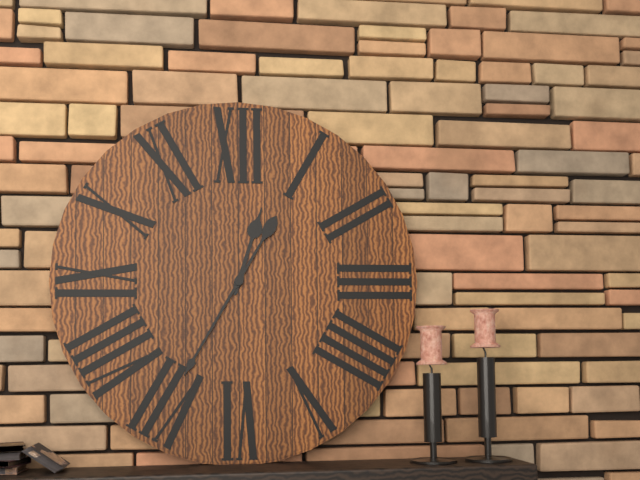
12:35
